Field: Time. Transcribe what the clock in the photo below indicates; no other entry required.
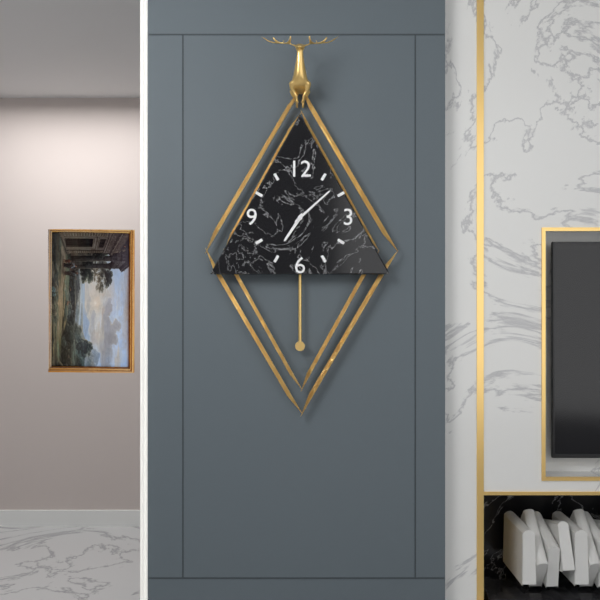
7:08
